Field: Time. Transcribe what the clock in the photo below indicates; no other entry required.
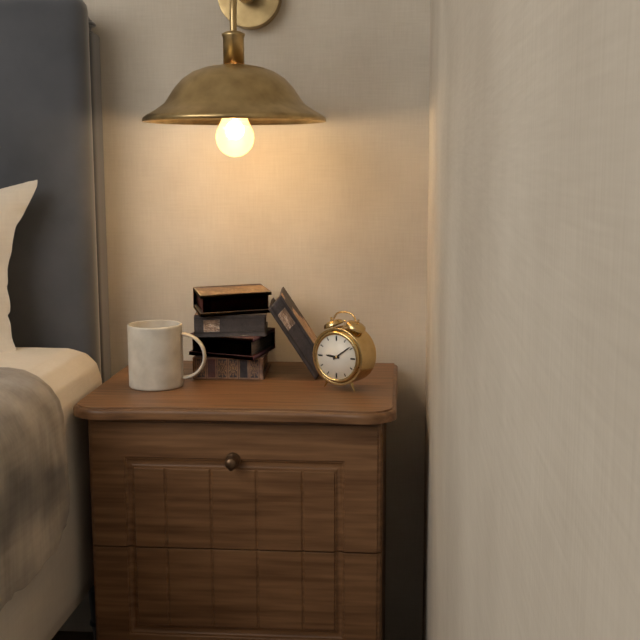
9:09
